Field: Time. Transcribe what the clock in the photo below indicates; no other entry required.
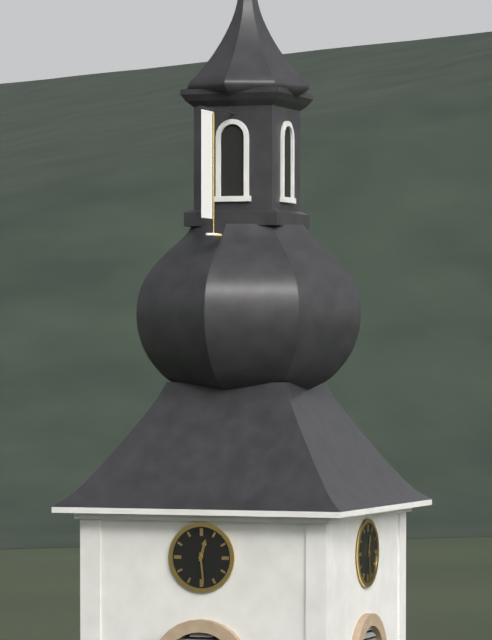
12:29
